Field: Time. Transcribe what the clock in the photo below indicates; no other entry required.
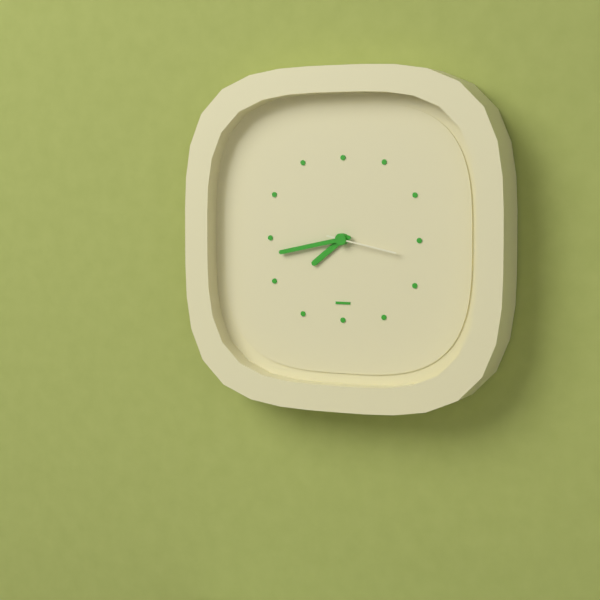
7:43:17
